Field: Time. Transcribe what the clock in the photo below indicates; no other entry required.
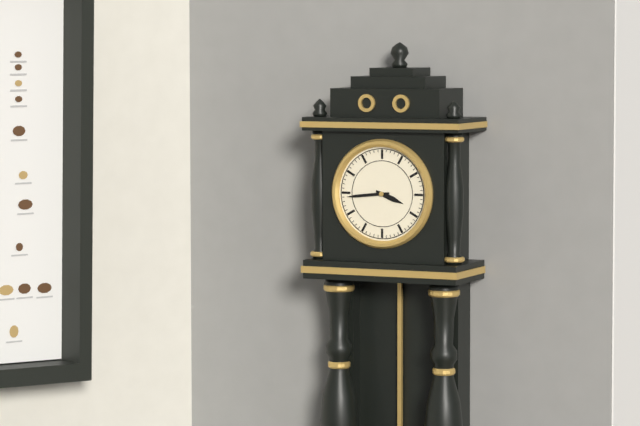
3:44
